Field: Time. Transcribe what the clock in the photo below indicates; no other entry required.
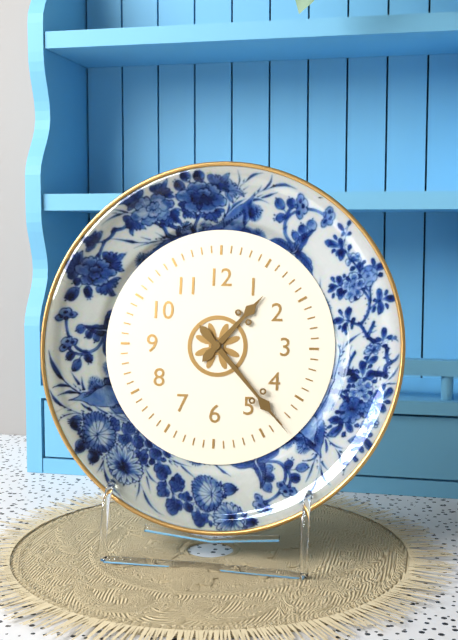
1:23
